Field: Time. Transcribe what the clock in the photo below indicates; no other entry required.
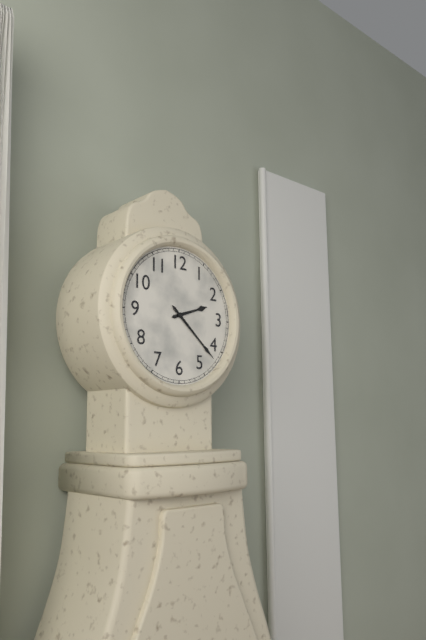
2:22
